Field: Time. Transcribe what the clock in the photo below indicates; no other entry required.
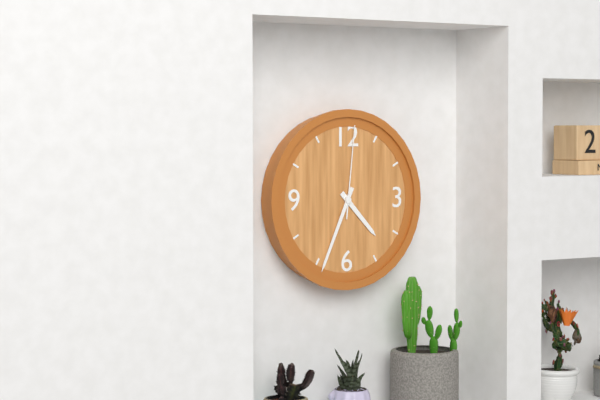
4:34:01
